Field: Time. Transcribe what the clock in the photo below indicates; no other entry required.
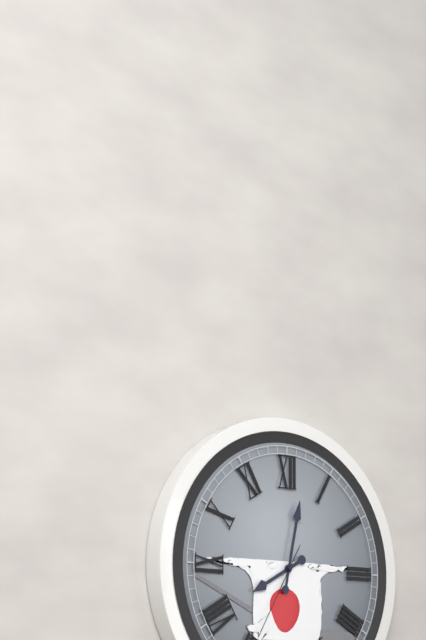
8:02:35
